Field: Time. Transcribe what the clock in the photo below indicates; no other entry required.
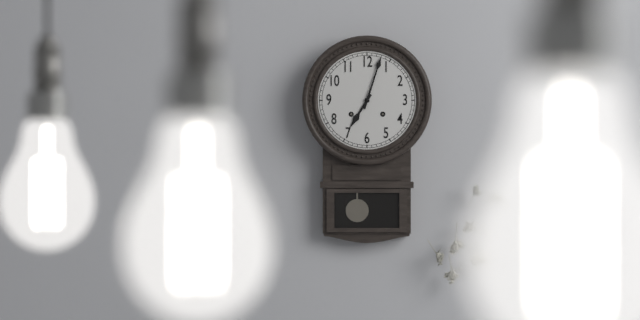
7:03
